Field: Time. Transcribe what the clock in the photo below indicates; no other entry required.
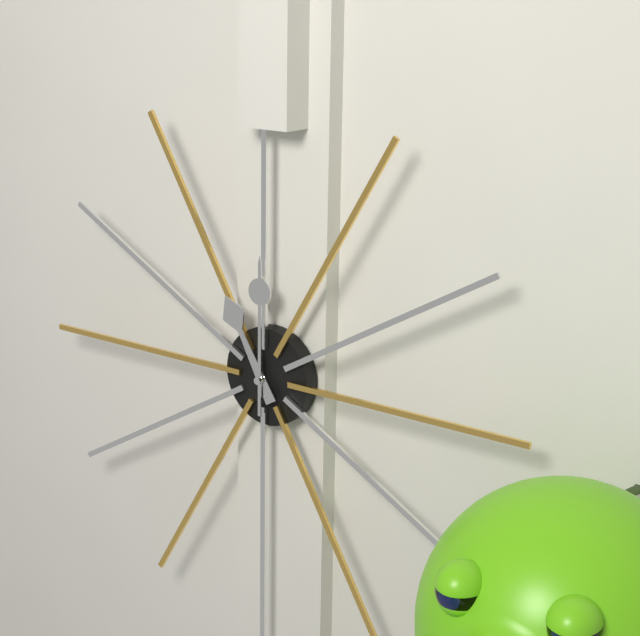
11:00
